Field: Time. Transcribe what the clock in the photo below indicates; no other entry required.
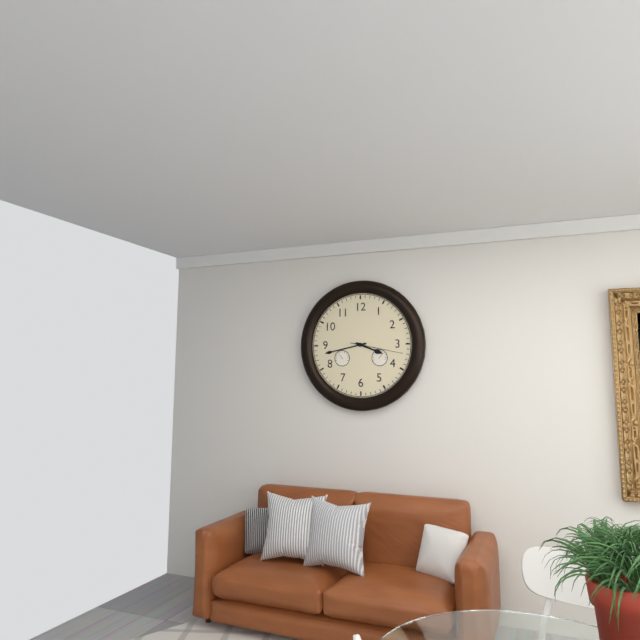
3:43:17
